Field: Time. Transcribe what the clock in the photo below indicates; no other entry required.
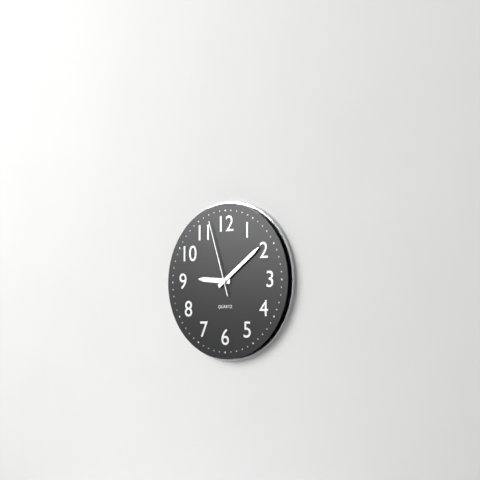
9:09:57
